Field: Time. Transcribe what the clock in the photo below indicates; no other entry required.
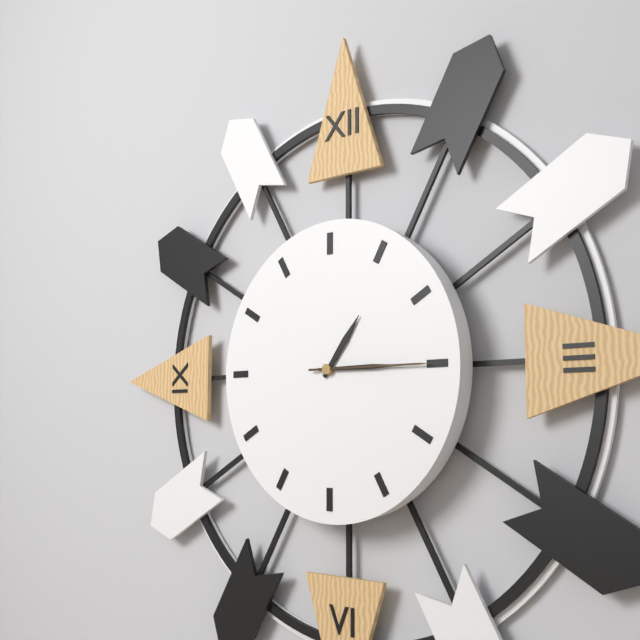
1:15:15
